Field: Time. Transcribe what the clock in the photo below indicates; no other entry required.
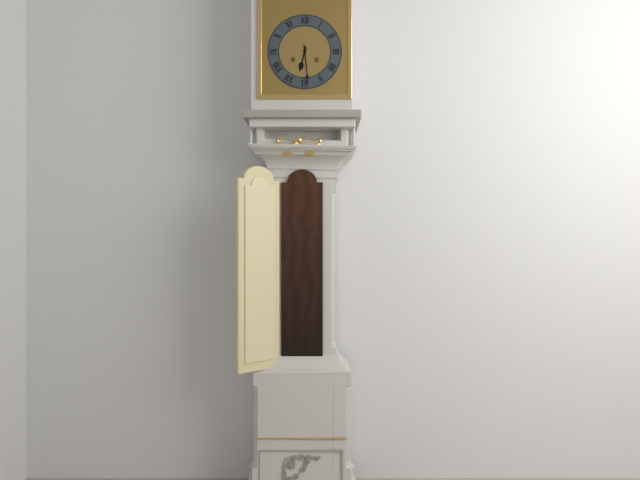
6:29
